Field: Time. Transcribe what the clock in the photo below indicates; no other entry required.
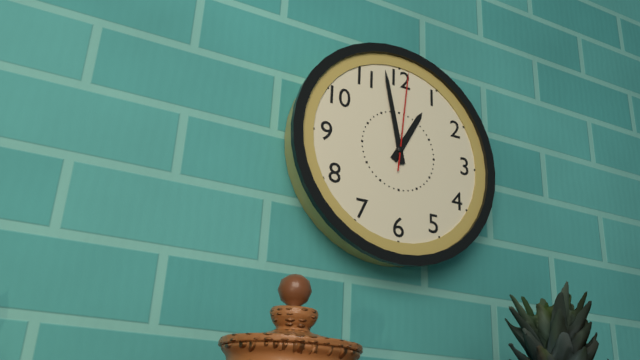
12:58:01
